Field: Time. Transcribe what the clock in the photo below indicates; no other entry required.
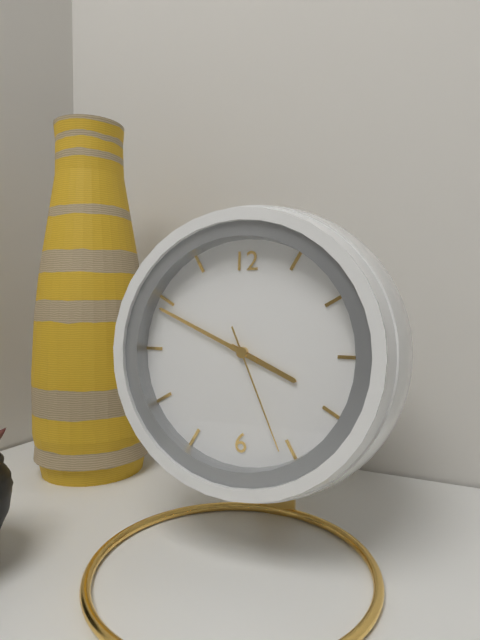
3:49:26
